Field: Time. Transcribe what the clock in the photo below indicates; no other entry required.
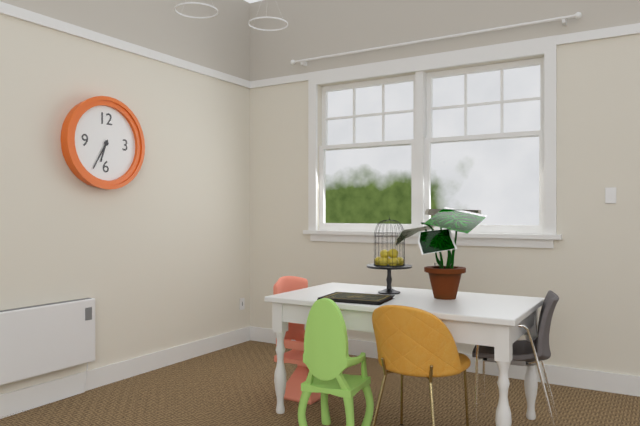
6:35
